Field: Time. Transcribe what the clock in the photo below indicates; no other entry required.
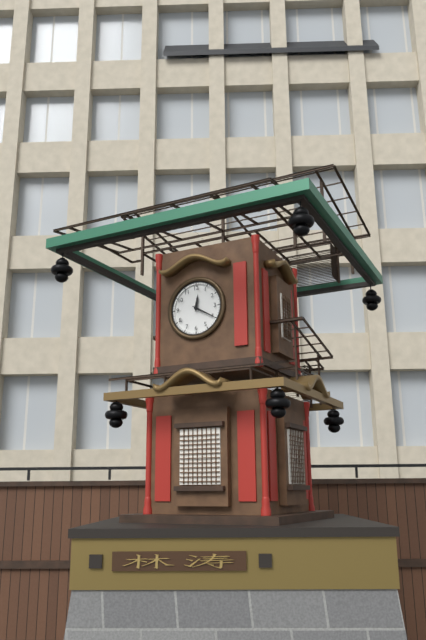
12:20
